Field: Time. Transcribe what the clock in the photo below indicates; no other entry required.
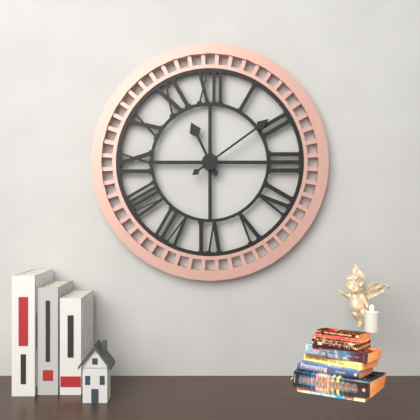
11:09
